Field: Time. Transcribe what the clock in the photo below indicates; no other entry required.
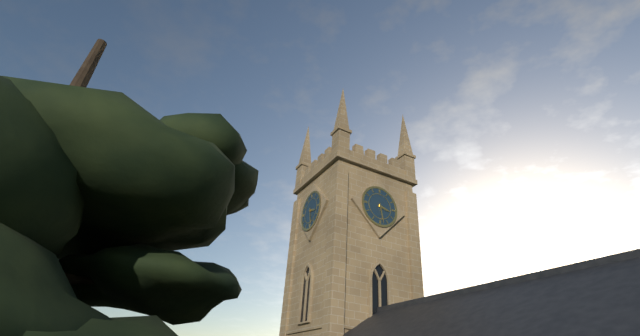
3:28
